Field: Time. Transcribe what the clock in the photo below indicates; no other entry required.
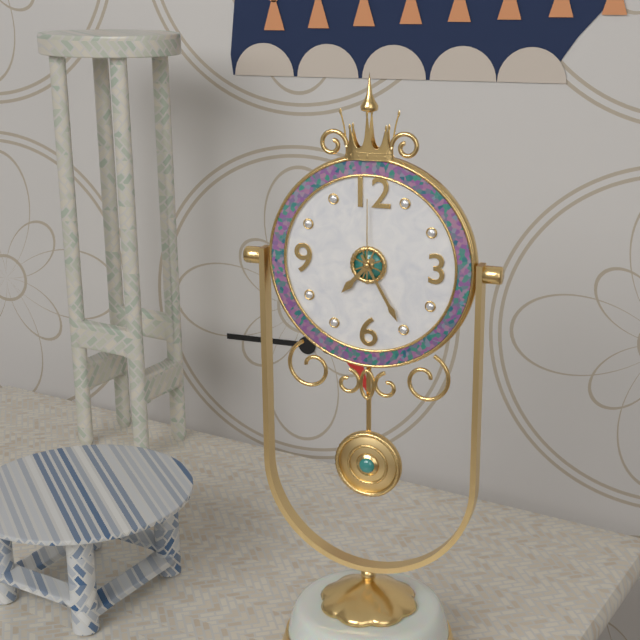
7:25:00
